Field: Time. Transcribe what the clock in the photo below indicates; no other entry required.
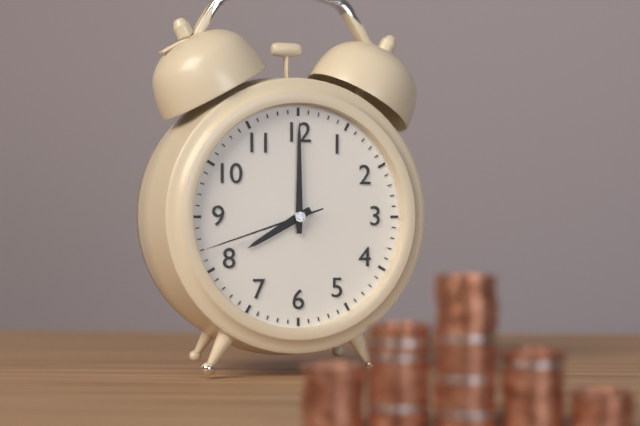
8:00:42
